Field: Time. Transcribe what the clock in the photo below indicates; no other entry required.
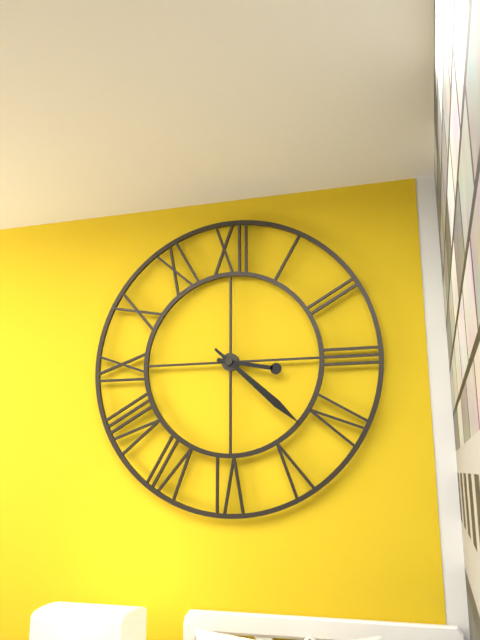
3:22
